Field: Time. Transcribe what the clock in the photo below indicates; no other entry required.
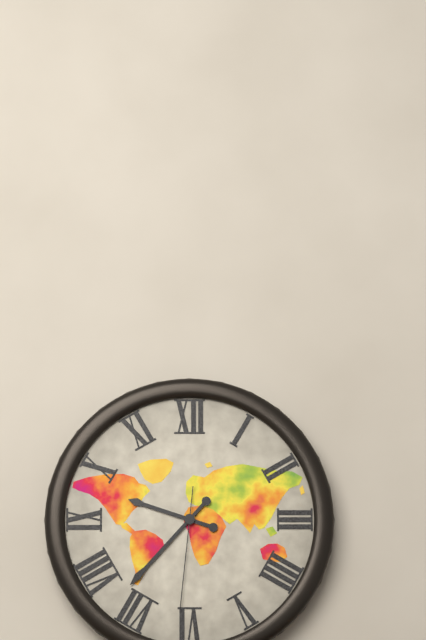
9:37:31
